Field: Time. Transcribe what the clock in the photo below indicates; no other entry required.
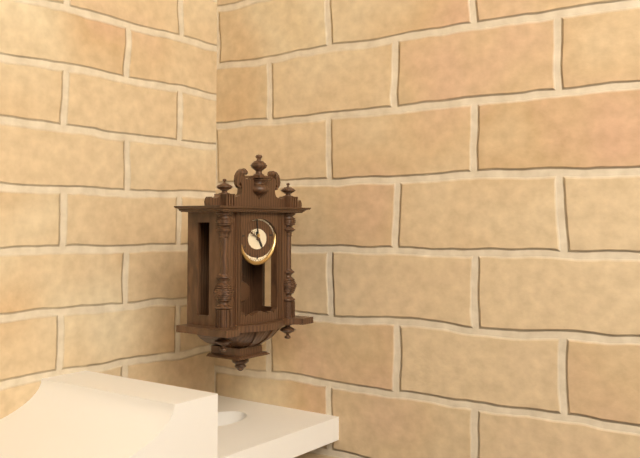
4:59
